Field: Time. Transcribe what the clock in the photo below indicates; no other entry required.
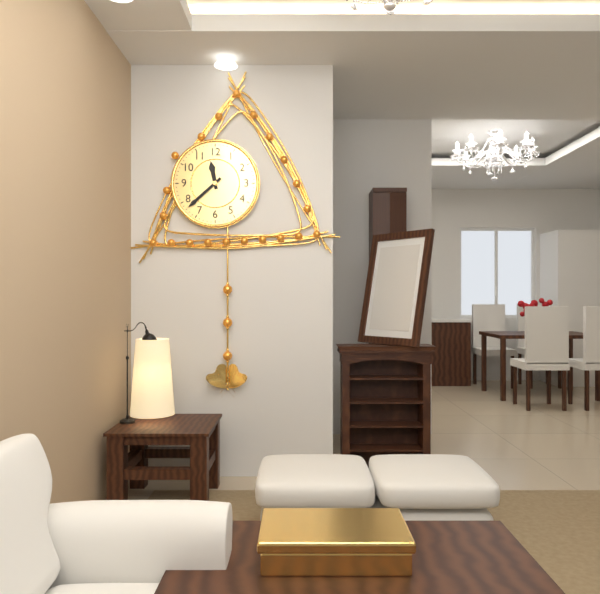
11:38
